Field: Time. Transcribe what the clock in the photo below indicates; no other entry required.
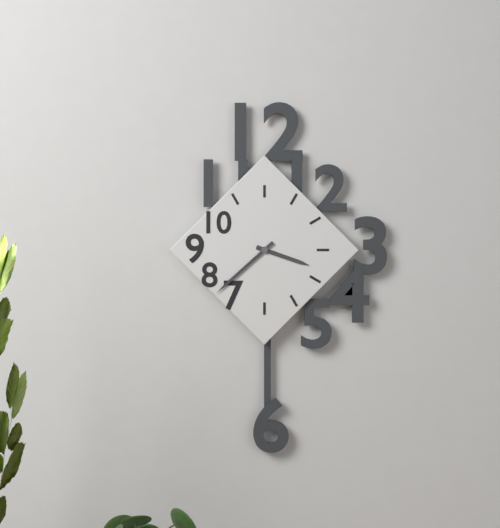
3:38
